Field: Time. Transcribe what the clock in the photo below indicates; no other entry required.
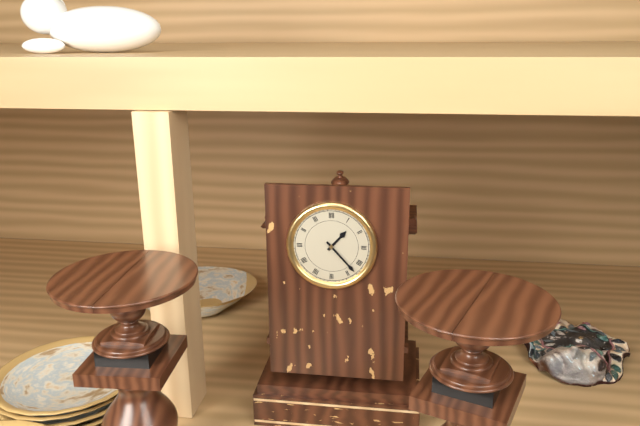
1:23
